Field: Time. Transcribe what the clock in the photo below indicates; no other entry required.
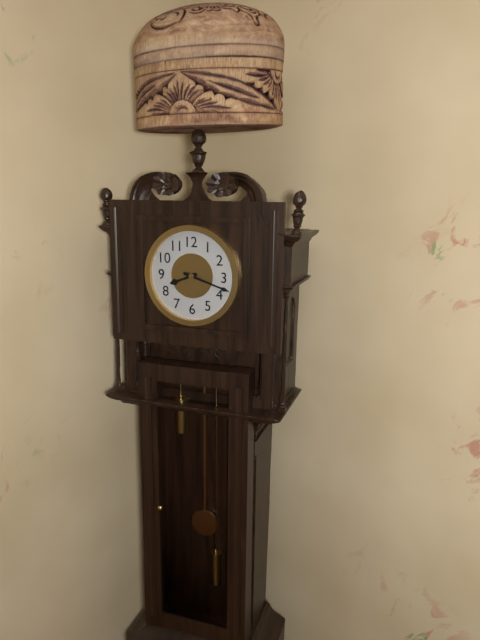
8:18
